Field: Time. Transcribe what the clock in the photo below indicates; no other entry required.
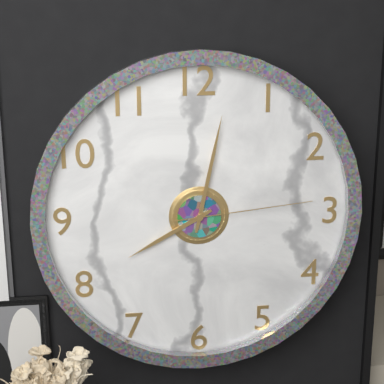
8:02:14
